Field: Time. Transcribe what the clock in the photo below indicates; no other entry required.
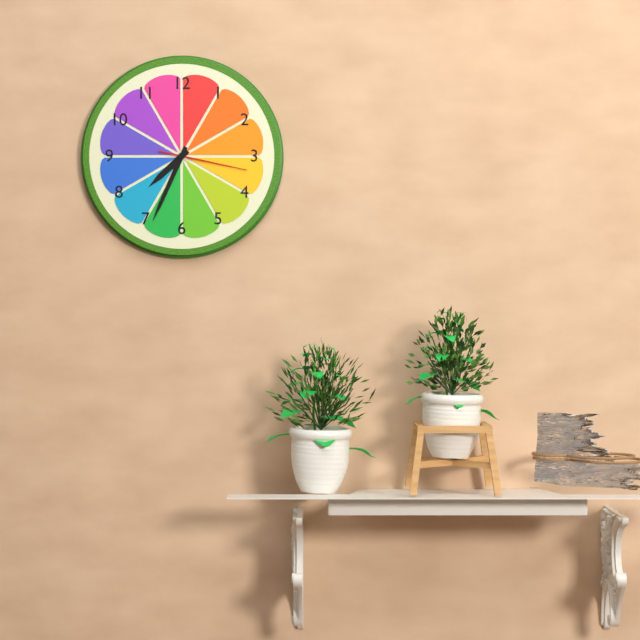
7:34:17
